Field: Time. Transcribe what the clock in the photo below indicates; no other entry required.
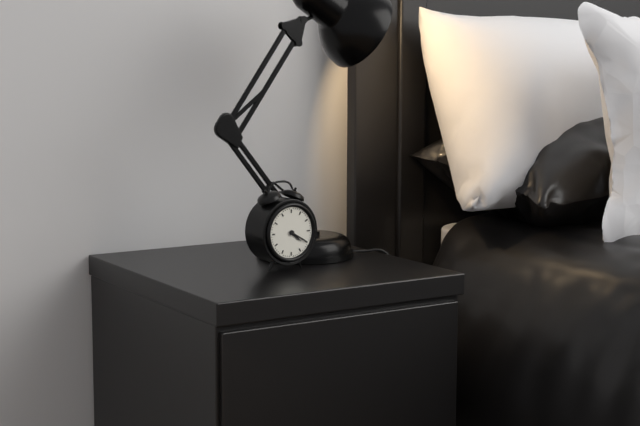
4:20
